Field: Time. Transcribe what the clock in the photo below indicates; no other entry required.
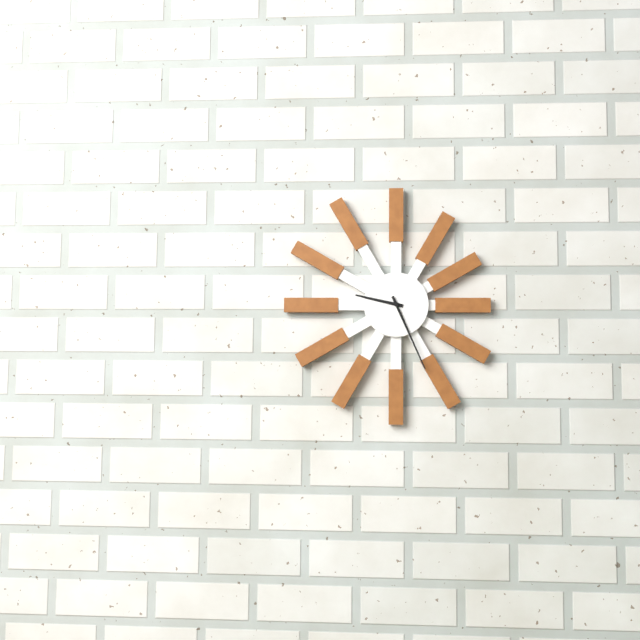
9:26
